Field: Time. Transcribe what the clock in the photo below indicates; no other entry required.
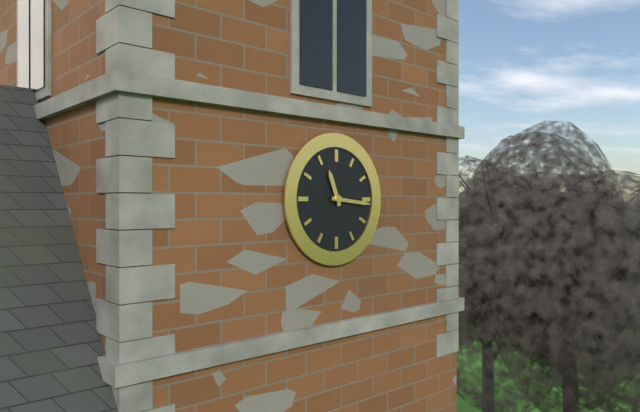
11:16
